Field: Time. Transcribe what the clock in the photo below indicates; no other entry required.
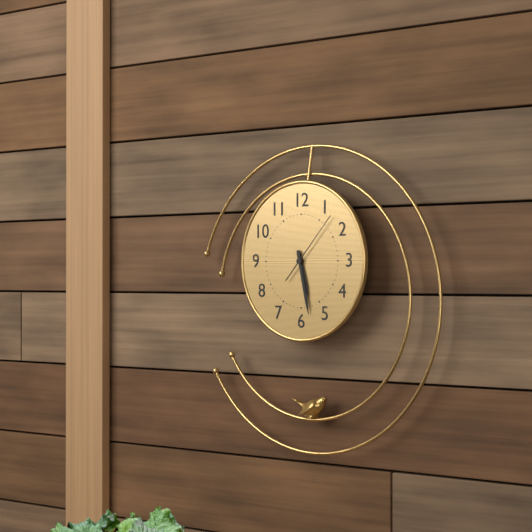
5:28:07
